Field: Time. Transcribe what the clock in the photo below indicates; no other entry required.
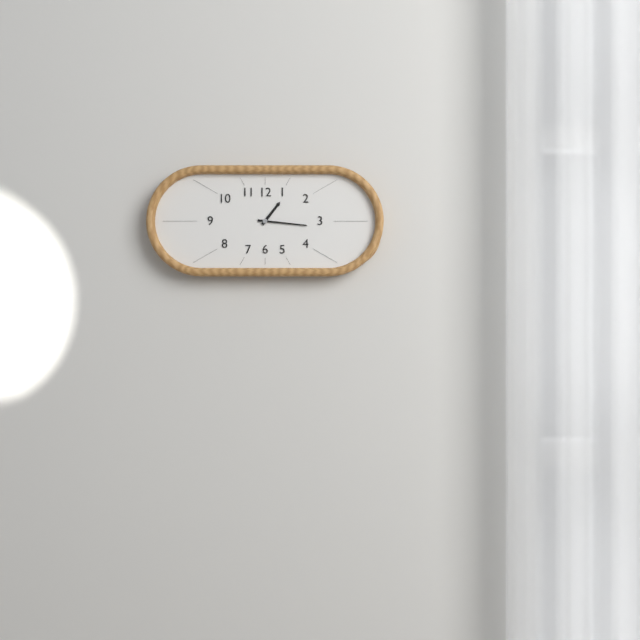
1:16
